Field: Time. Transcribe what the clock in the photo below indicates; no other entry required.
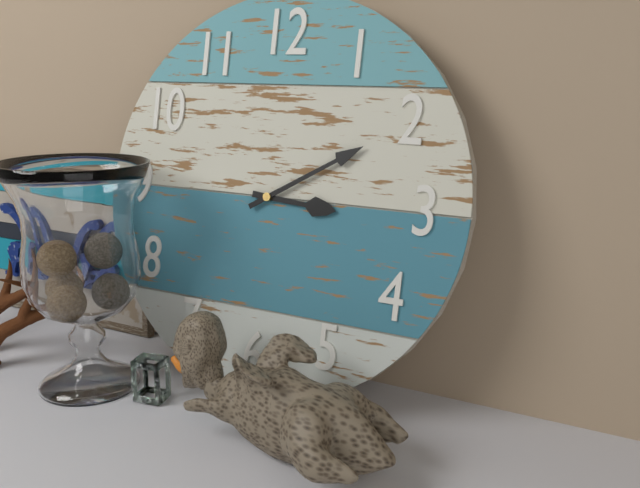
3:10
